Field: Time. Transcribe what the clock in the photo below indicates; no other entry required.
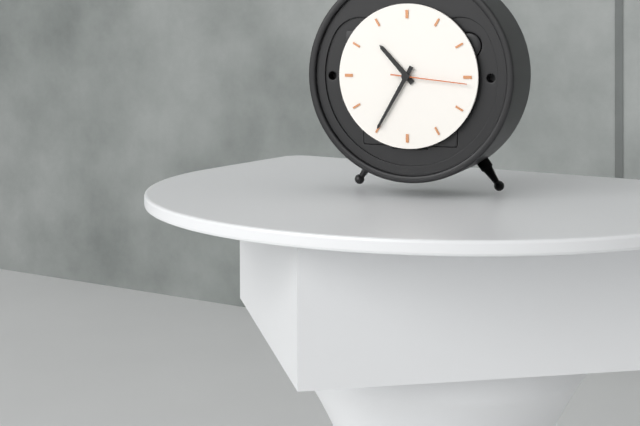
10:35:16
